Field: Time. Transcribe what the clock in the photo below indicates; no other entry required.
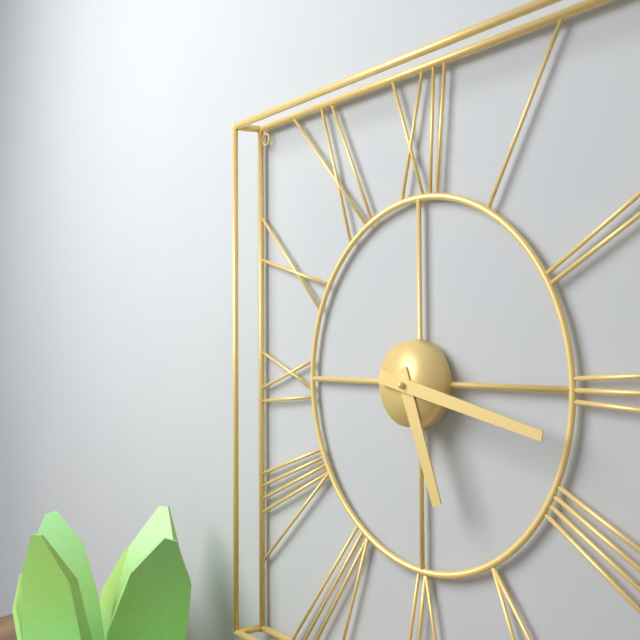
5:17
